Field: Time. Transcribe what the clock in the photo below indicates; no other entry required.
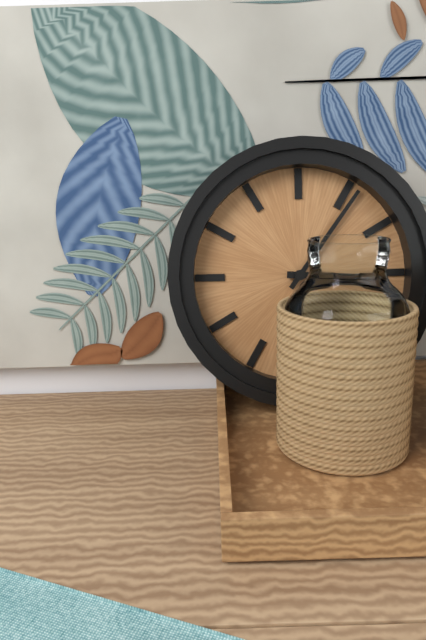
3:06
